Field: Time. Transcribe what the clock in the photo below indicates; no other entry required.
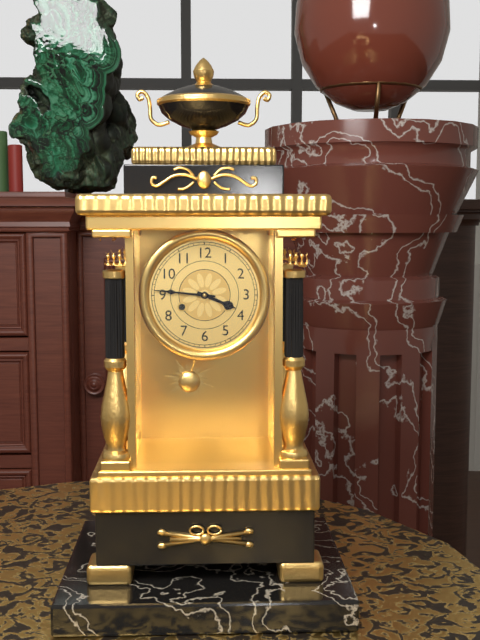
3:46
